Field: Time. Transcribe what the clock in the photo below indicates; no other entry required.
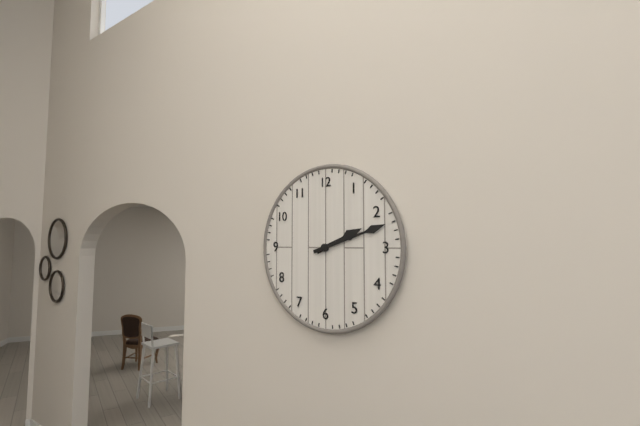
2:12
